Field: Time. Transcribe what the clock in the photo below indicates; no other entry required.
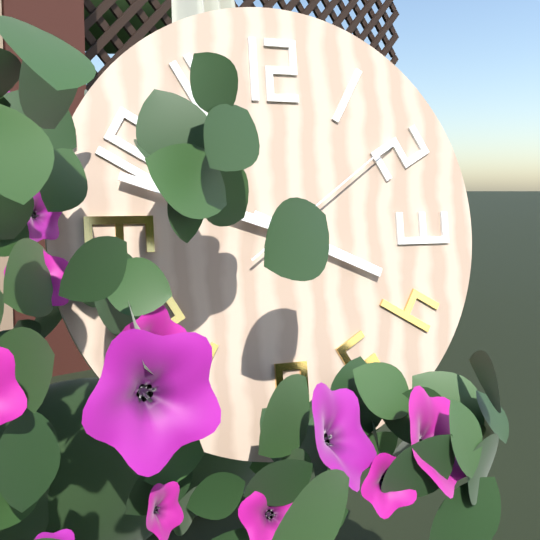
3:48:09
